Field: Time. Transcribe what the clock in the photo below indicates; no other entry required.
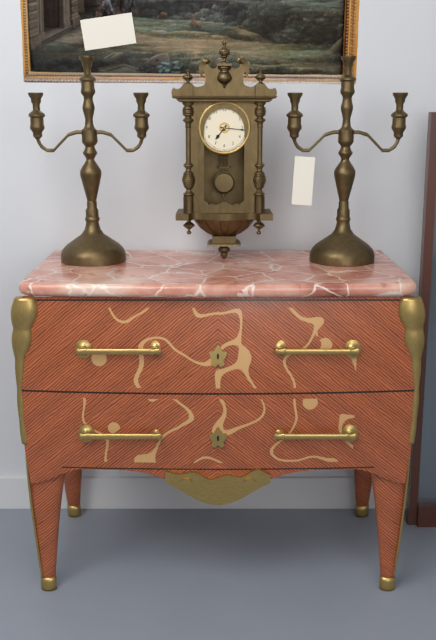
7:16
